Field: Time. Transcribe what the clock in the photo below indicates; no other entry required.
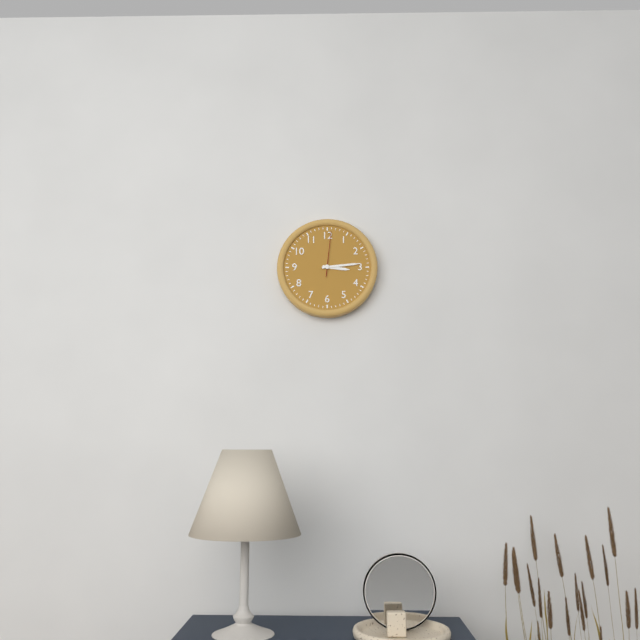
3:14
